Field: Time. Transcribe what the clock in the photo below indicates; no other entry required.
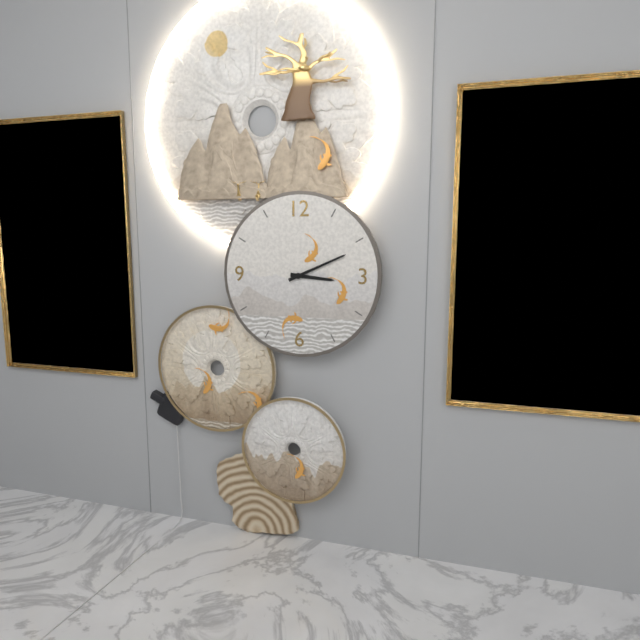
3:11
